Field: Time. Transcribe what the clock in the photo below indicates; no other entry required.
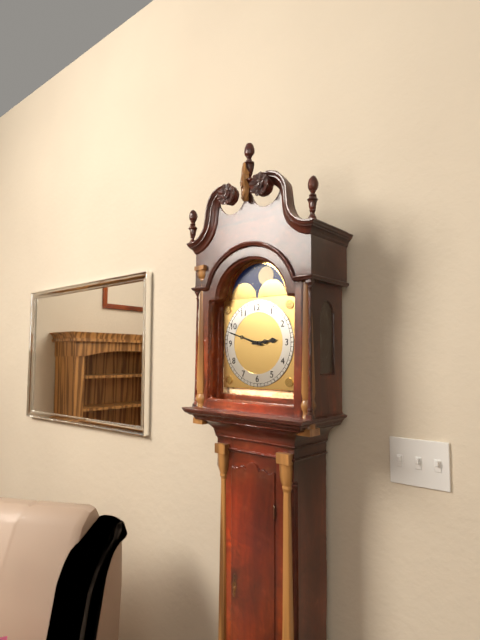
2:48
